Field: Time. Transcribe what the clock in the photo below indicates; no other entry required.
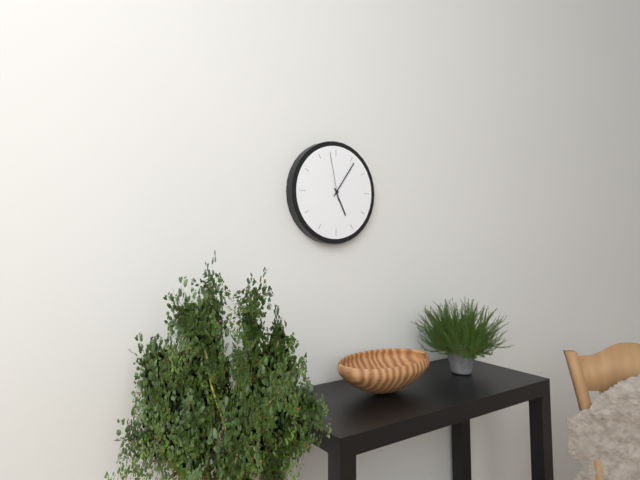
5:06:58
